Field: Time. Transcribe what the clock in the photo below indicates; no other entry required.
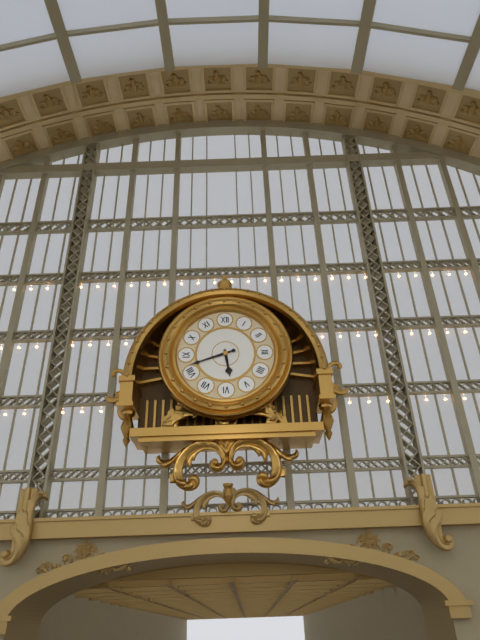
5:42
